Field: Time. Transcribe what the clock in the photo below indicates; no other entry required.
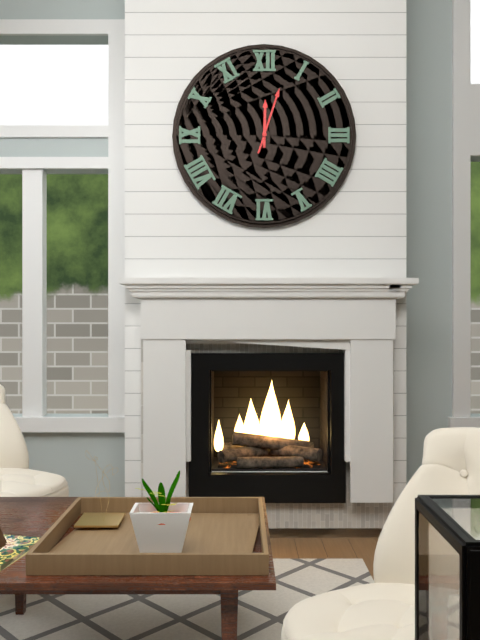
12:03
